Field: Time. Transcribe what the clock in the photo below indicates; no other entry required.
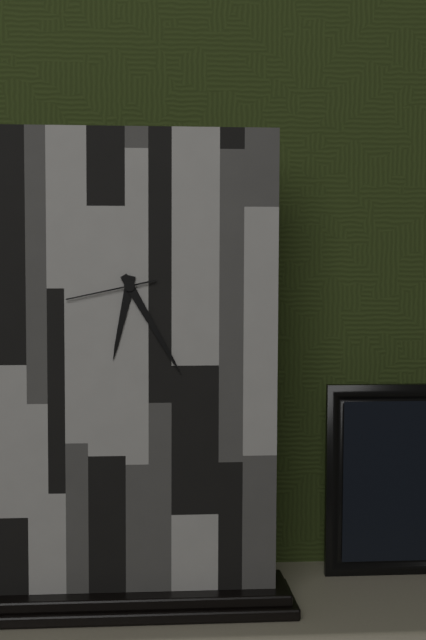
6:25:43
